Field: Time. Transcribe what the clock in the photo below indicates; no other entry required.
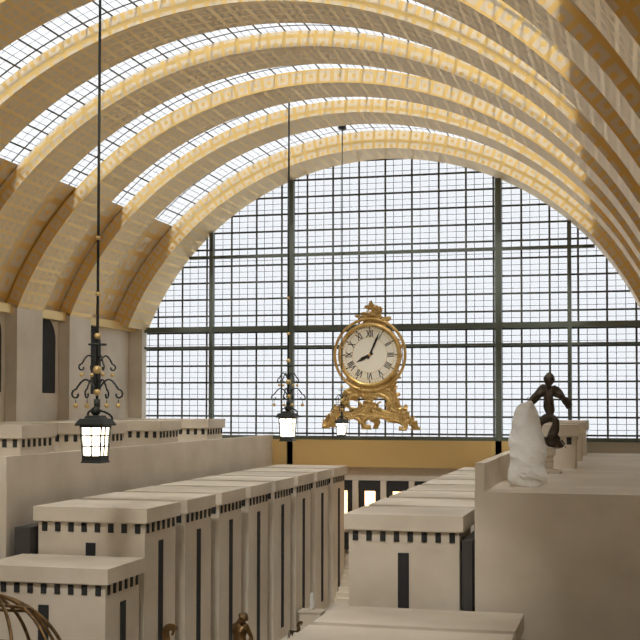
8:04
